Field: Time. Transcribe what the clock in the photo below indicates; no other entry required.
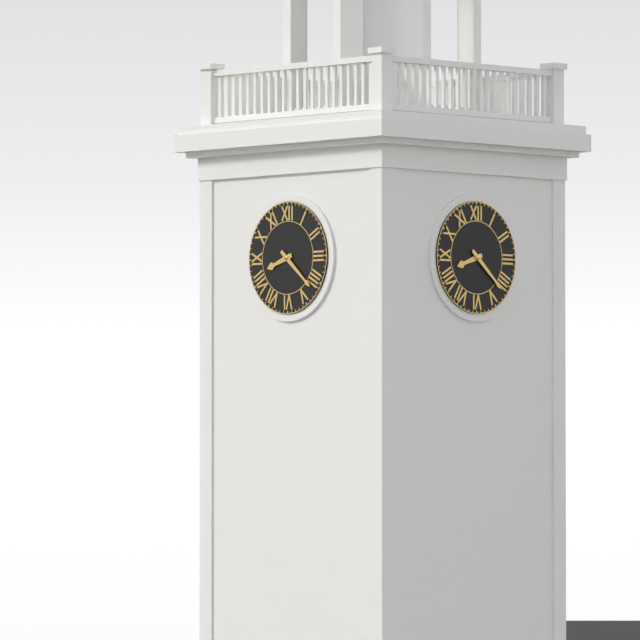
8:22
